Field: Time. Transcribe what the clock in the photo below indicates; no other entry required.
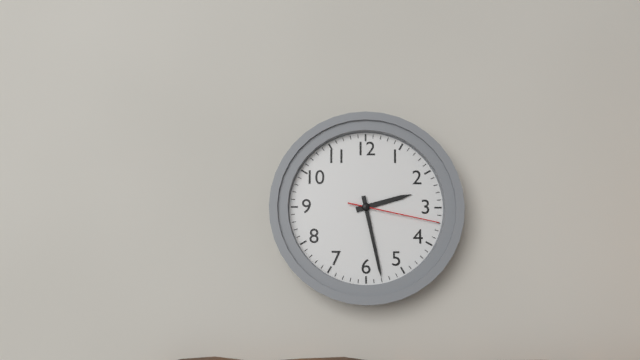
2:28:17
